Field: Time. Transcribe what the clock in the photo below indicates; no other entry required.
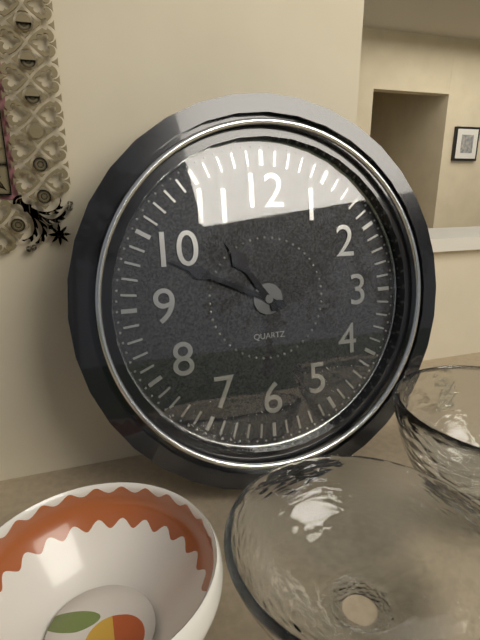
10:49
